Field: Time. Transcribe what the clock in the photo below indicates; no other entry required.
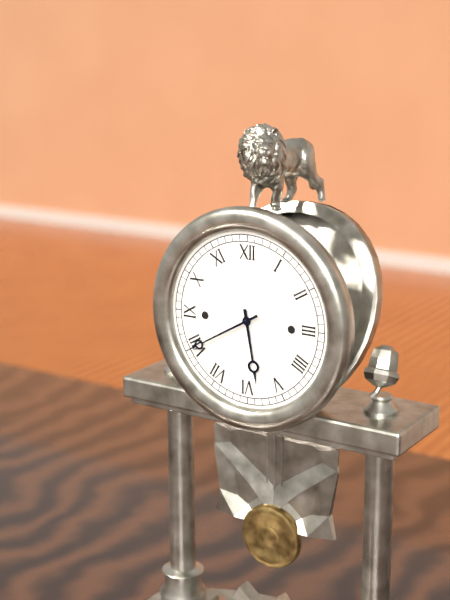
5:40
